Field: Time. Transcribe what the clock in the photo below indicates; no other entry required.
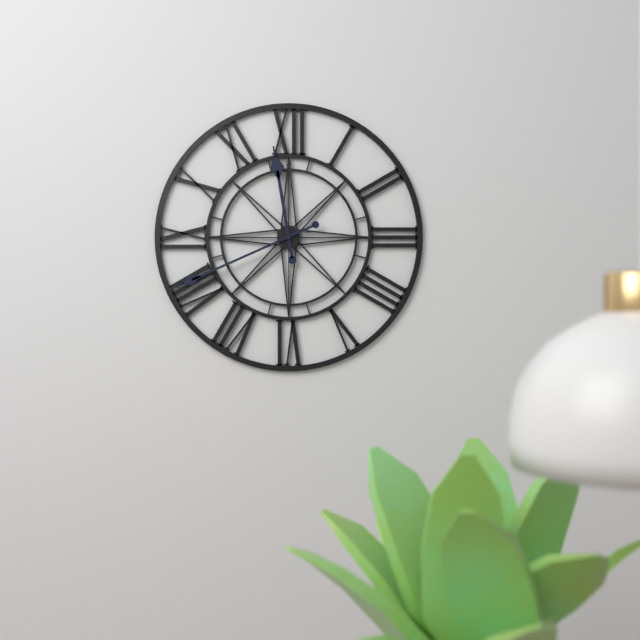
11:41
